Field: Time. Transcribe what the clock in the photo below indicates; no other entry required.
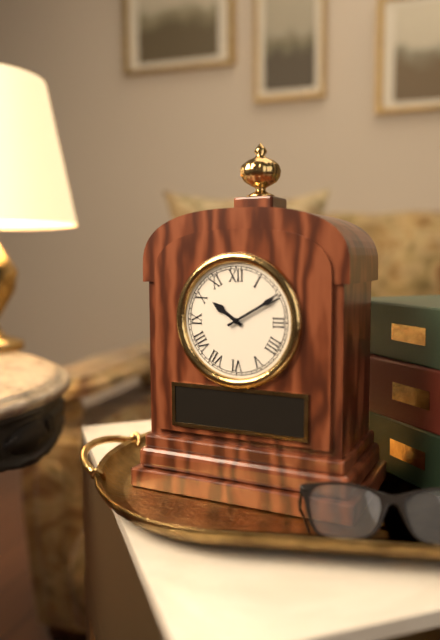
10:10
